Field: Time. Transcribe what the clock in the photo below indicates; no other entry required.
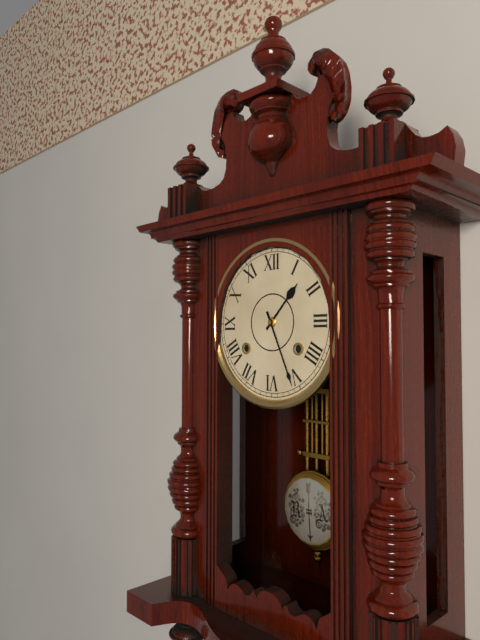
1:26
